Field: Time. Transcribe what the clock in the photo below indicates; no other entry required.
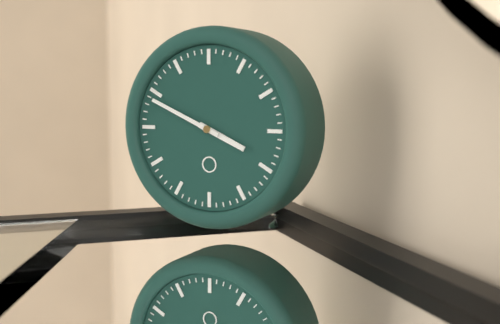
3:49
